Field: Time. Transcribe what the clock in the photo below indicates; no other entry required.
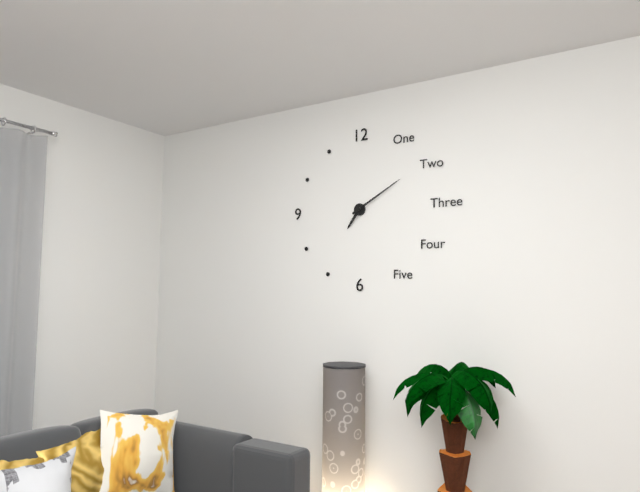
7:10
